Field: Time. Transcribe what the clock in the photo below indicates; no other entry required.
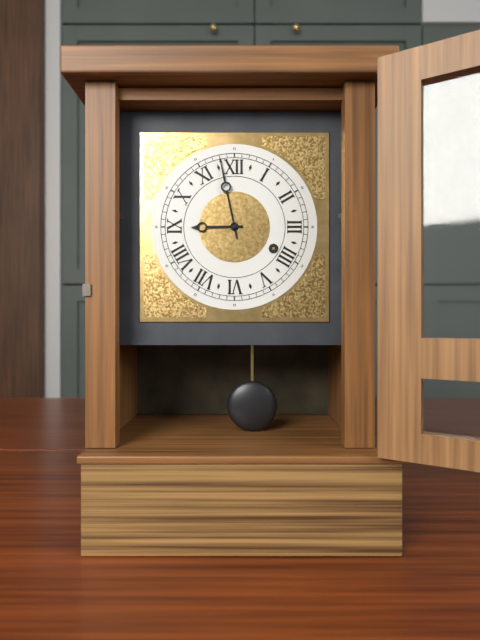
8:58
